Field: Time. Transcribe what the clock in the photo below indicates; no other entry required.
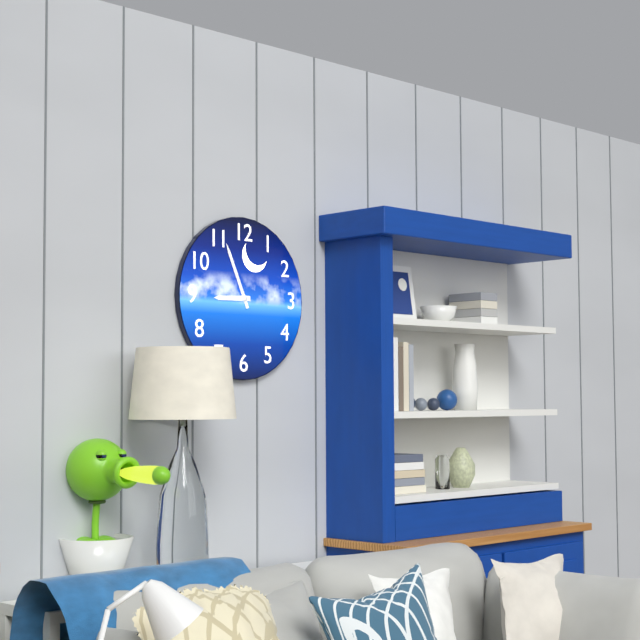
8:56
